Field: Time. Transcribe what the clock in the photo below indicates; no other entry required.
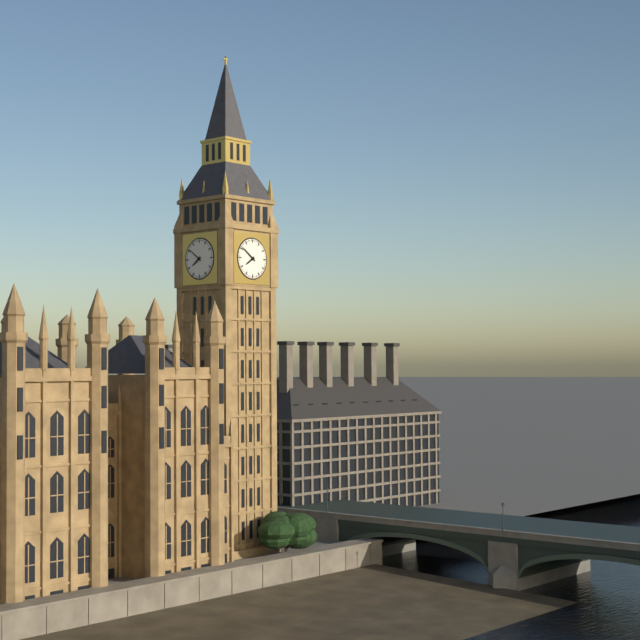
7:51
